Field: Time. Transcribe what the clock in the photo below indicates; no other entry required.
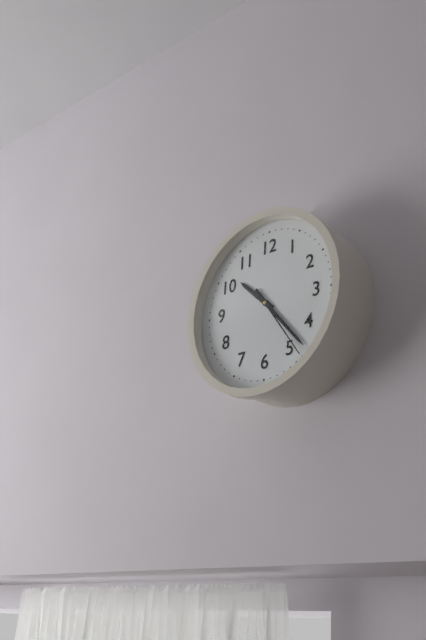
10:23
